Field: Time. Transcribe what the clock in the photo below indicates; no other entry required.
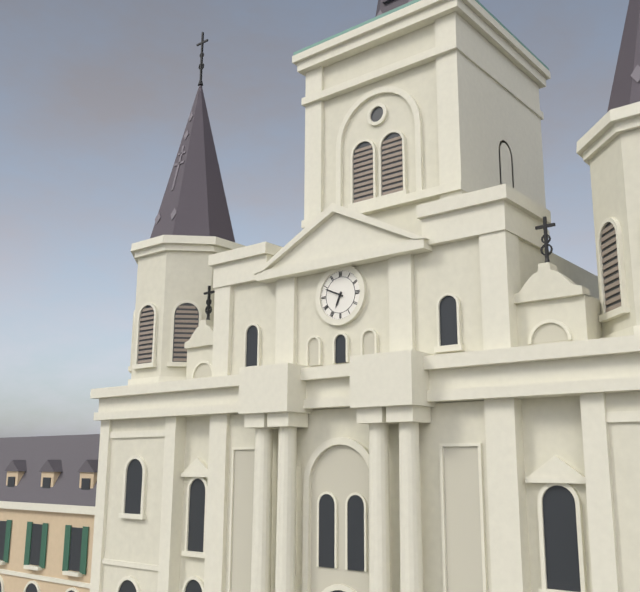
6:49
